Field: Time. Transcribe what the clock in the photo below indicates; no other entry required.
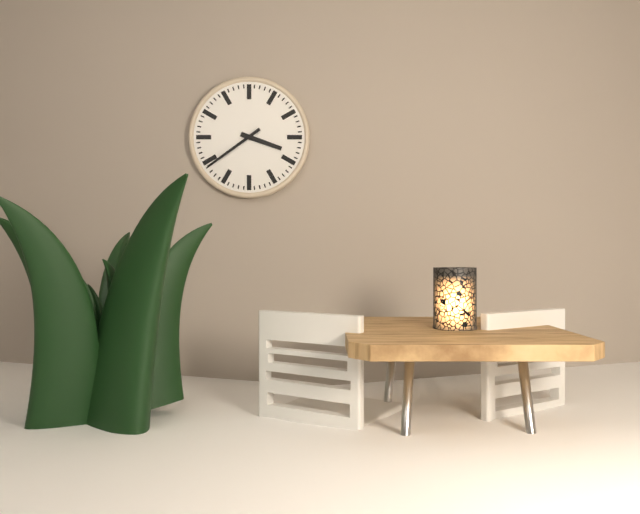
3:39
